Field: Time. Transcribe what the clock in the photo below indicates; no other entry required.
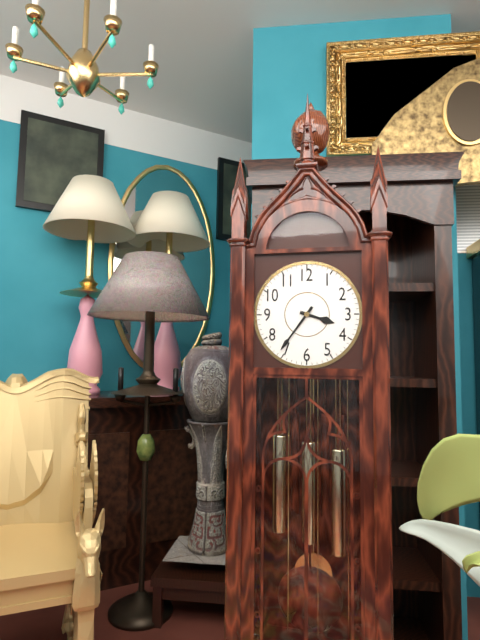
3:36
